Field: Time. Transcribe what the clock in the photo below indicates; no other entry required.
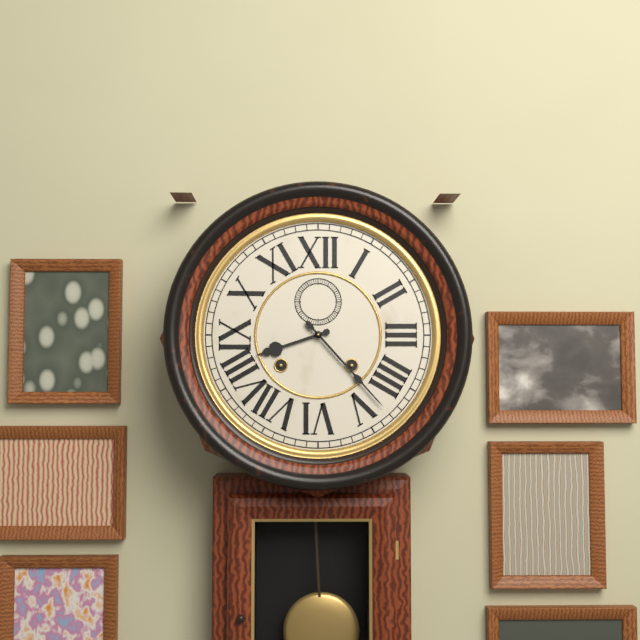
8:23
